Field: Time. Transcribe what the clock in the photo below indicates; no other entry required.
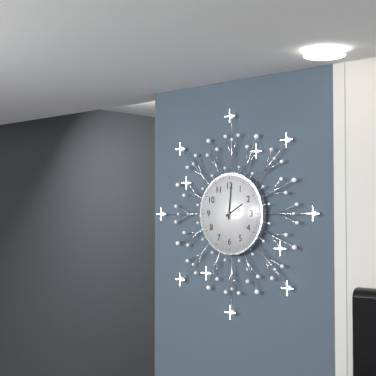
2:01
